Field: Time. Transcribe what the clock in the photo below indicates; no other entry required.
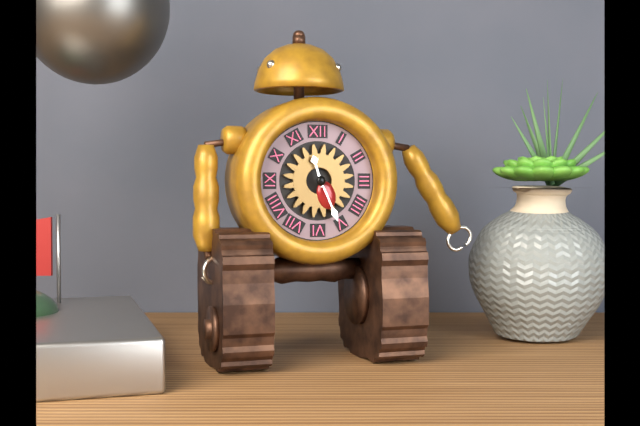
11:26
